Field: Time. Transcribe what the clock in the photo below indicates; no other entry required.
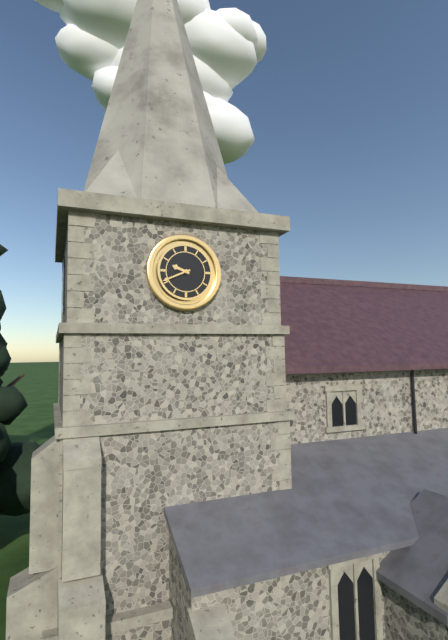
9:41
